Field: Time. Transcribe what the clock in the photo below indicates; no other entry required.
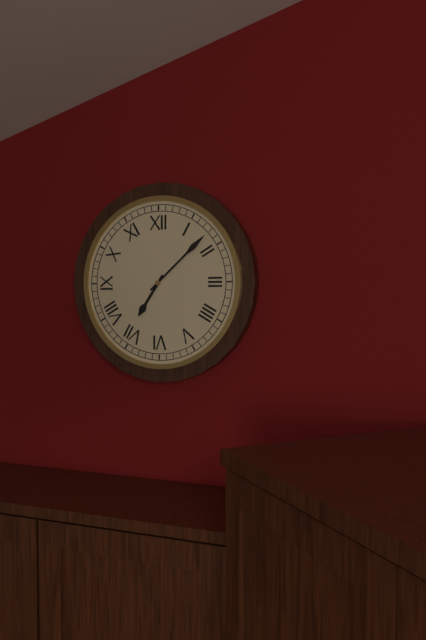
7:08
